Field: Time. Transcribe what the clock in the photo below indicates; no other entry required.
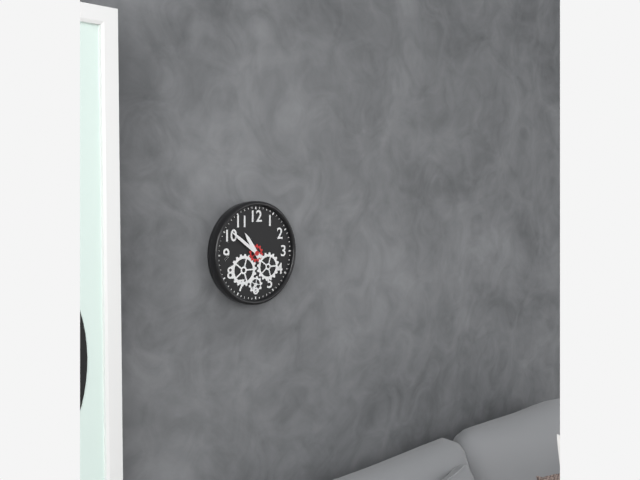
10:51
